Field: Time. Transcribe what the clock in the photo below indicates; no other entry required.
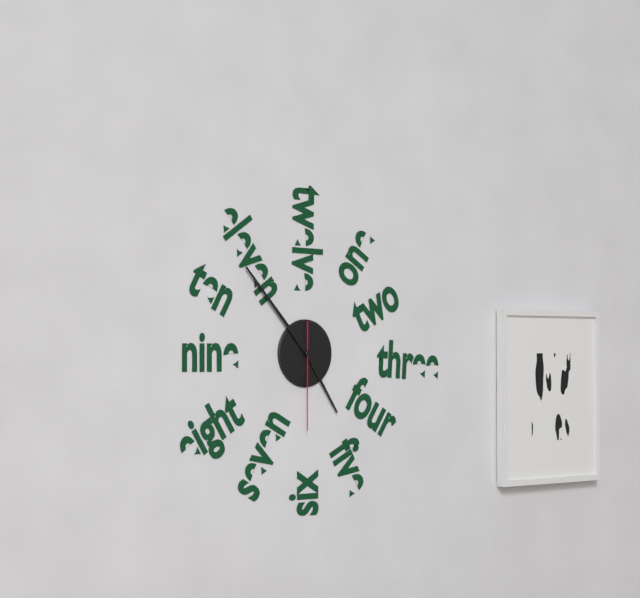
4:53:30
